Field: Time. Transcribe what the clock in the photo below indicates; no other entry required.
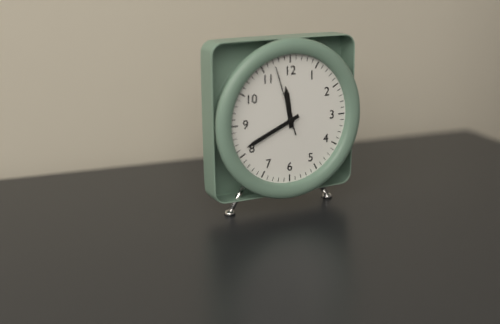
11:41:57
